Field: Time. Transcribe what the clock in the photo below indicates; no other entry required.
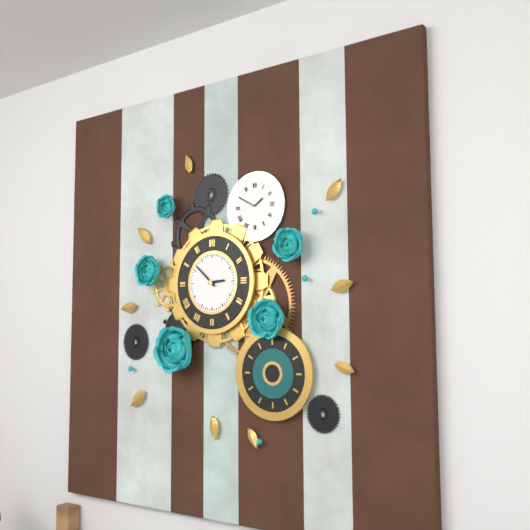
2:52
